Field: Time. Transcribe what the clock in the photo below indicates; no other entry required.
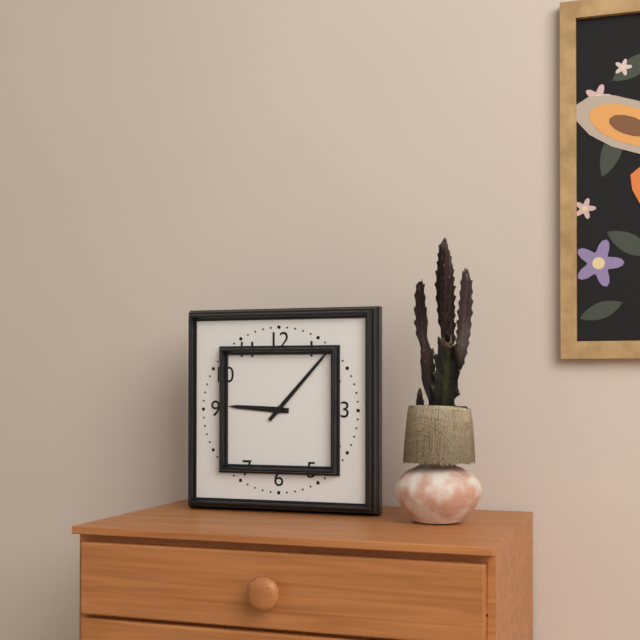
9:07
